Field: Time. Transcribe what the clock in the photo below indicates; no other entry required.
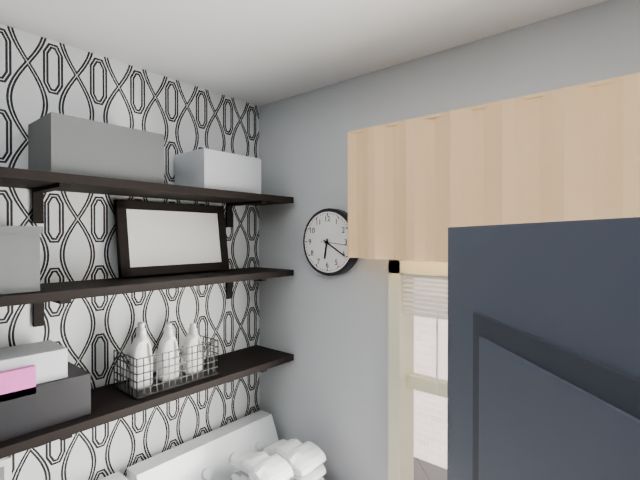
6:20
